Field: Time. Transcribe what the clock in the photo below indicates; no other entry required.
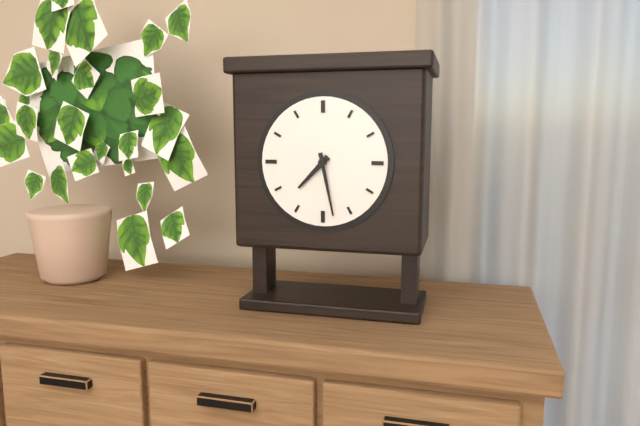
7:28
